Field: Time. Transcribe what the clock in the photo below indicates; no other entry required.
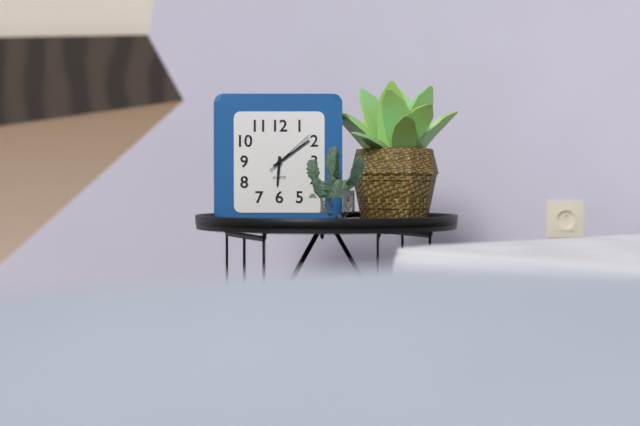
6:09:08
